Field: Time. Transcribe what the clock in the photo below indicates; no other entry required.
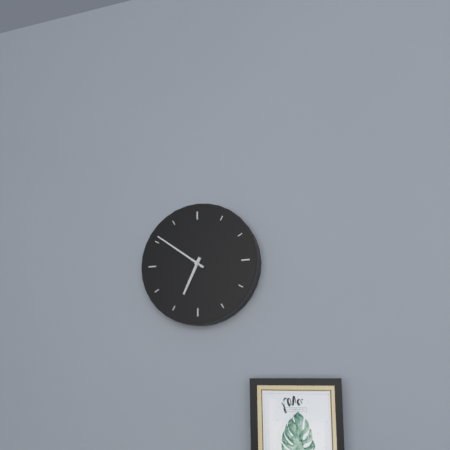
6:51
